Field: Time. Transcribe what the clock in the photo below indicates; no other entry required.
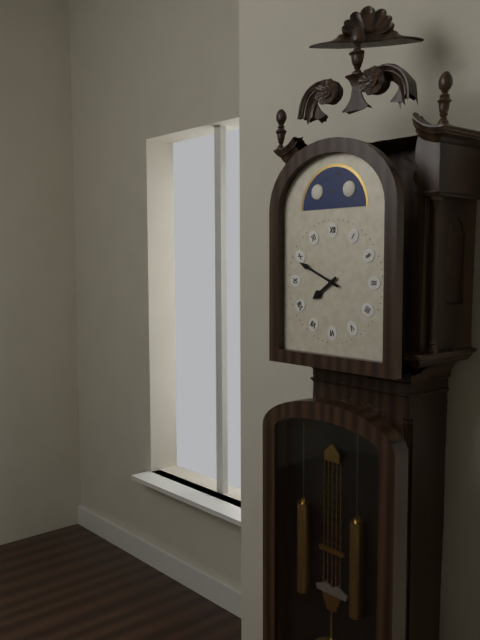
7:49
